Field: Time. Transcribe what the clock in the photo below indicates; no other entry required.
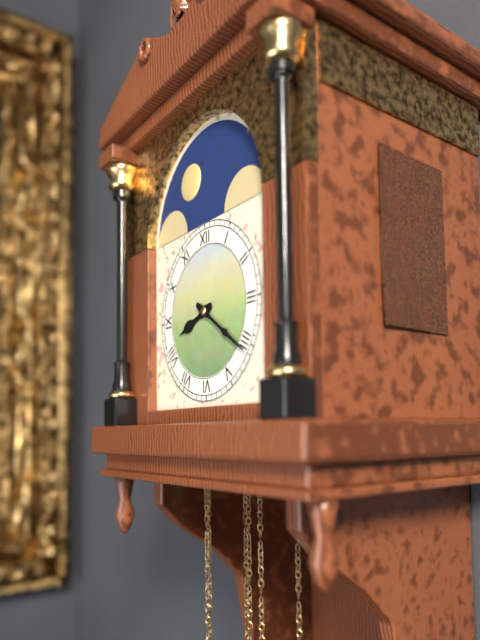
8:21
